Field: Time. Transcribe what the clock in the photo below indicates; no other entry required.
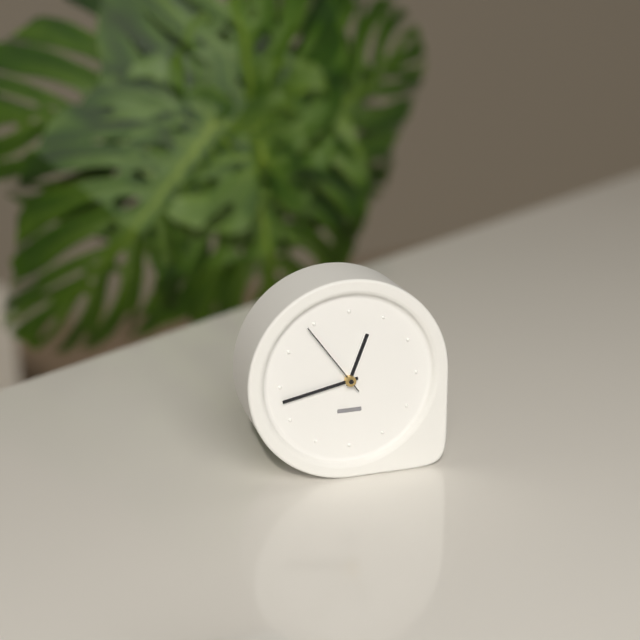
12:43:54
